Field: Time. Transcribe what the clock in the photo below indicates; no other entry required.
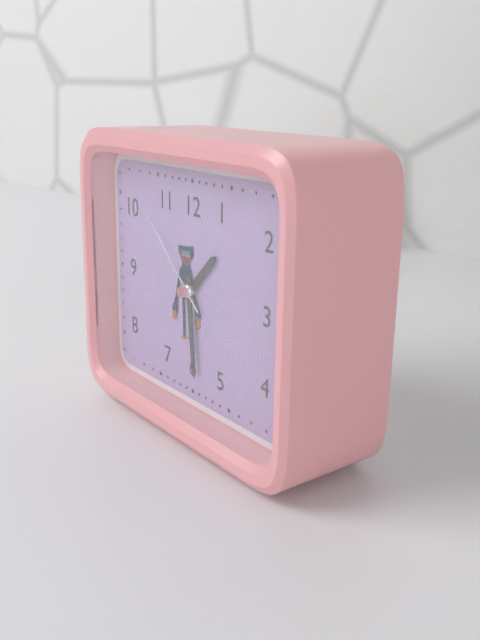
1:29:52
